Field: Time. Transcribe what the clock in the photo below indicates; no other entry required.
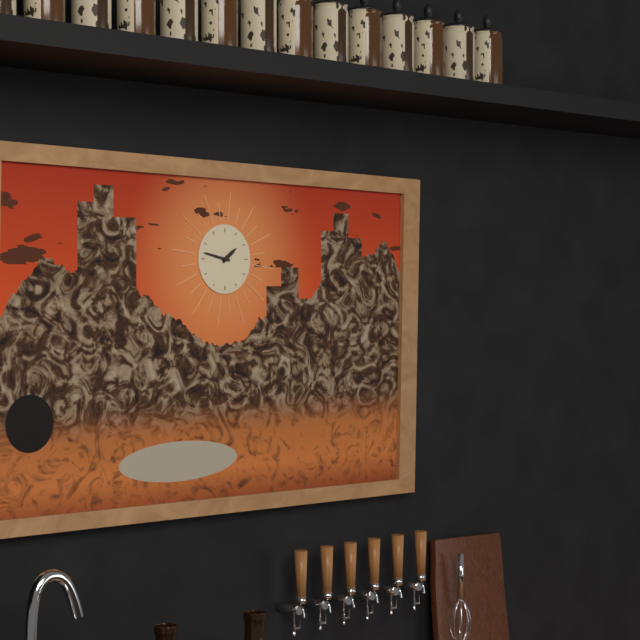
1:47
